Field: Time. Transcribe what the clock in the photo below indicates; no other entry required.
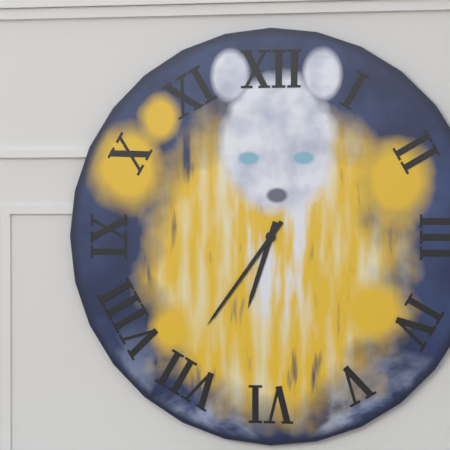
6:36
